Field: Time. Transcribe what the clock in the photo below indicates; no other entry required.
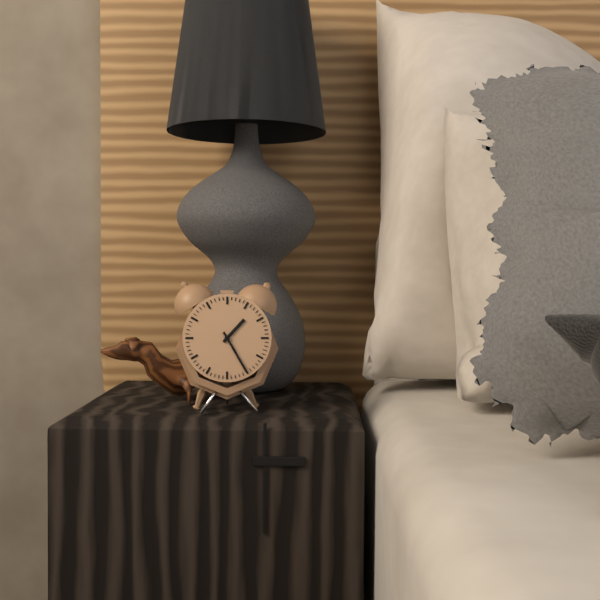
1:25
